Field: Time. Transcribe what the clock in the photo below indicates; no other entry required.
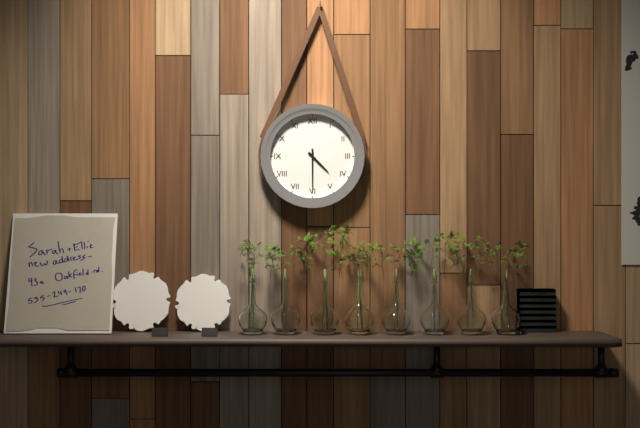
4:30
